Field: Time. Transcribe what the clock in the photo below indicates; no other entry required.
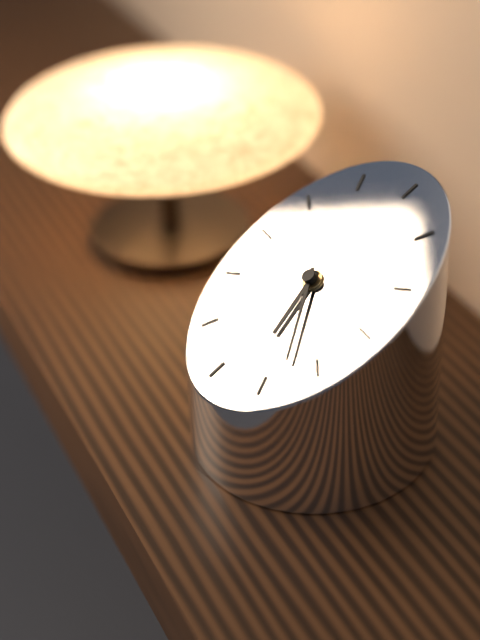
5:23
